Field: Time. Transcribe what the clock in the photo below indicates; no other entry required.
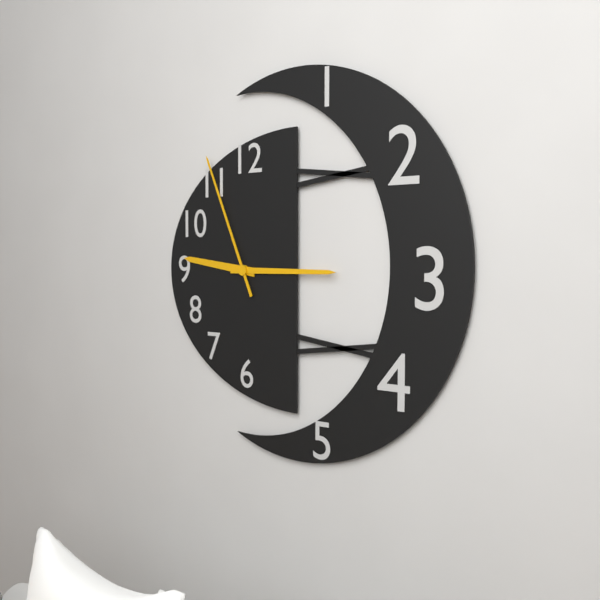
9:15:56
